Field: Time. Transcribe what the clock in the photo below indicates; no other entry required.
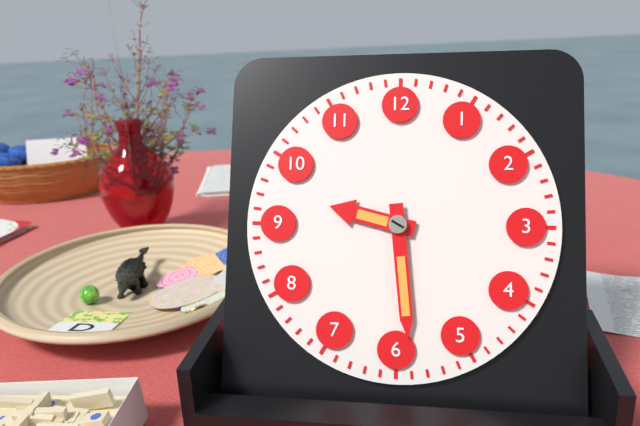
9:29
